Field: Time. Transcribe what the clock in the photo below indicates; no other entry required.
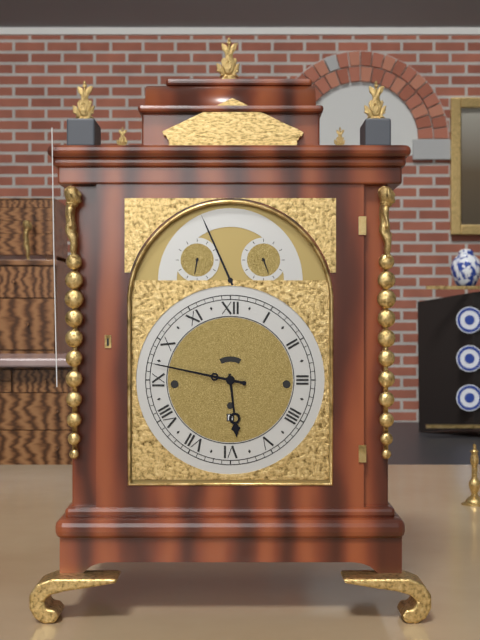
5:47
